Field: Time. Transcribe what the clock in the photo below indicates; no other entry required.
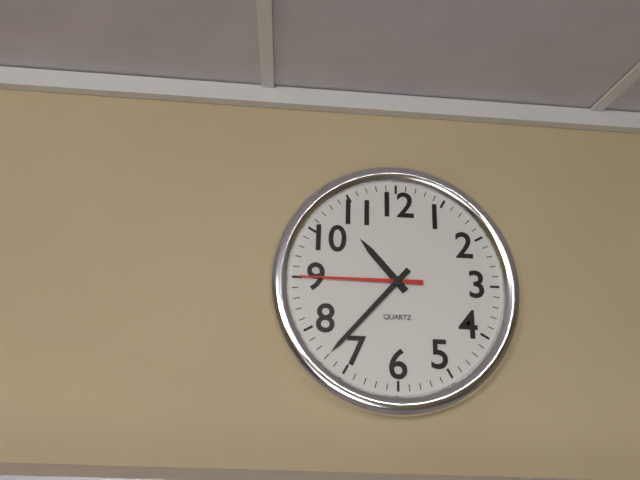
10:37:45
